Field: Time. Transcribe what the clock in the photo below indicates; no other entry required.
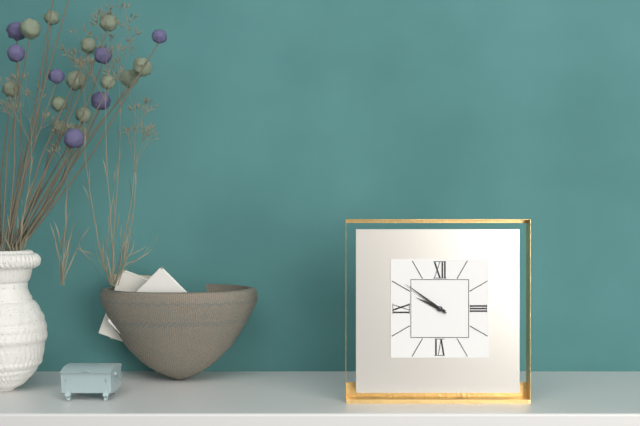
9:51
